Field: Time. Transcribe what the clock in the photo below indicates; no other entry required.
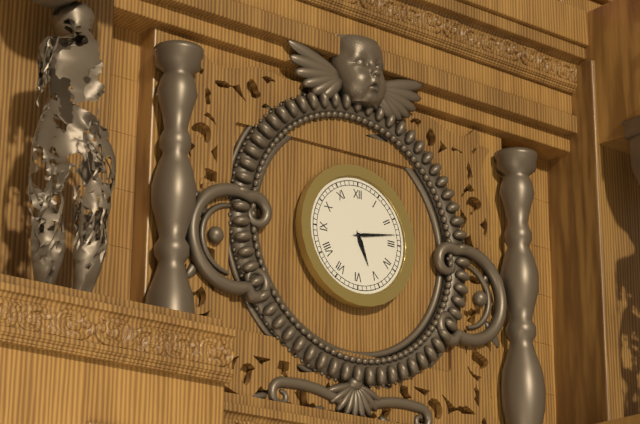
5:13
